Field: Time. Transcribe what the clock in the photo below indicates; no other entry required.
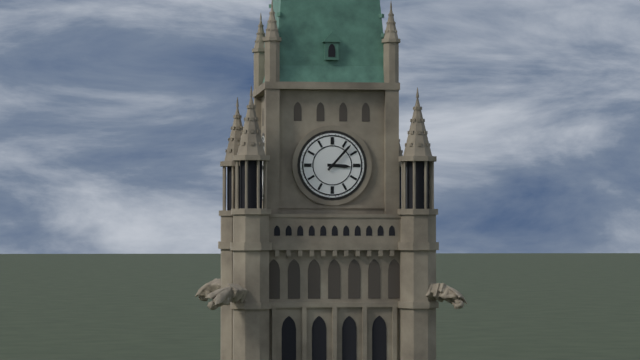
3:07
